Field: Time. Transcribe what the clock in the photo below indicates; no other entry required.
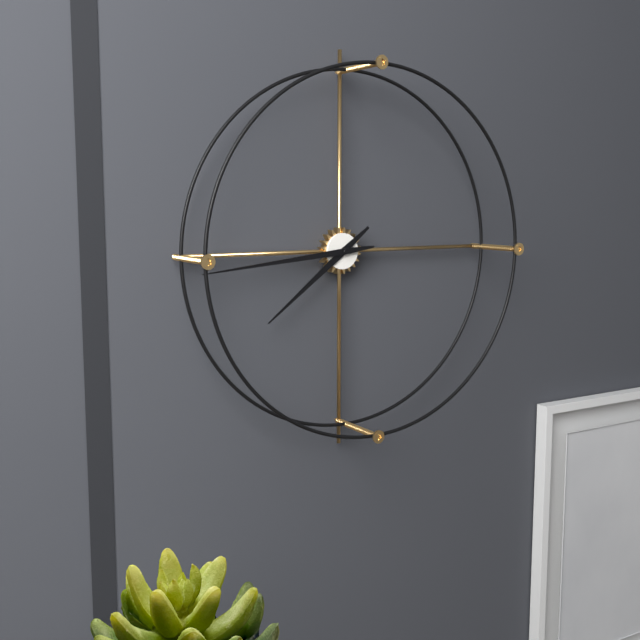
7:44
